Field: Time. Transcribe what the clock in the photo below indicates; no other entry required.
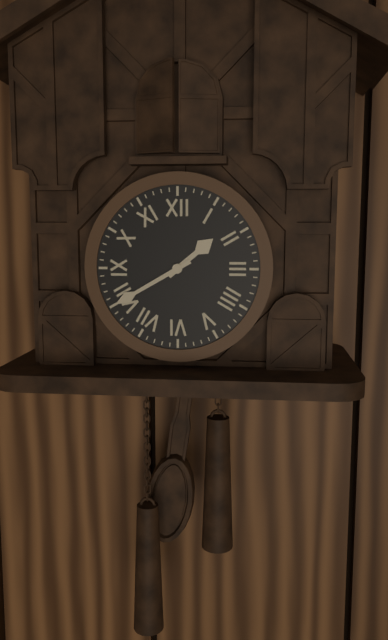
1:40
